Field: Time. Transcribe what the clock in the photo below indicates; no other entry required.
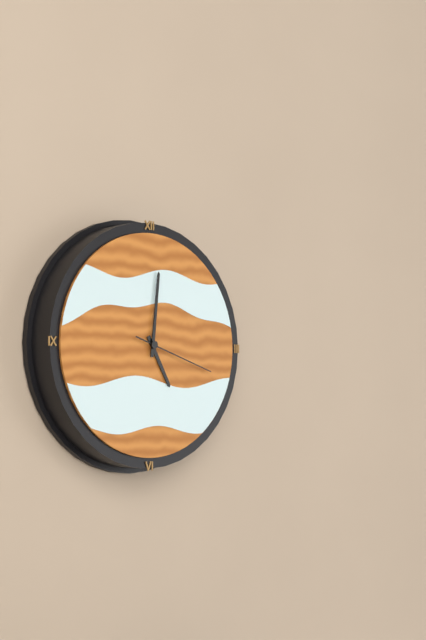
5:01:18
